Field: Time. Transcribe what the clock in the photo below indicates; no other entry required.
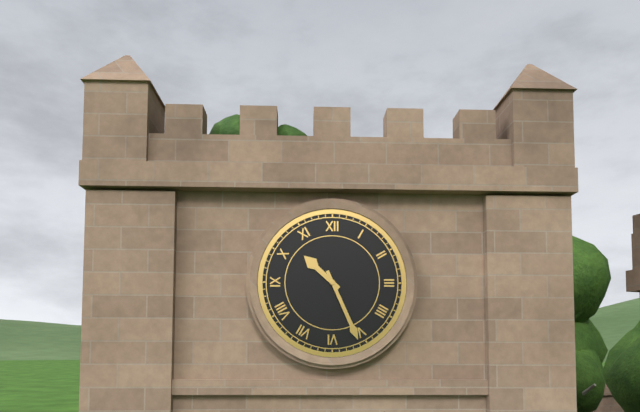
10:26
